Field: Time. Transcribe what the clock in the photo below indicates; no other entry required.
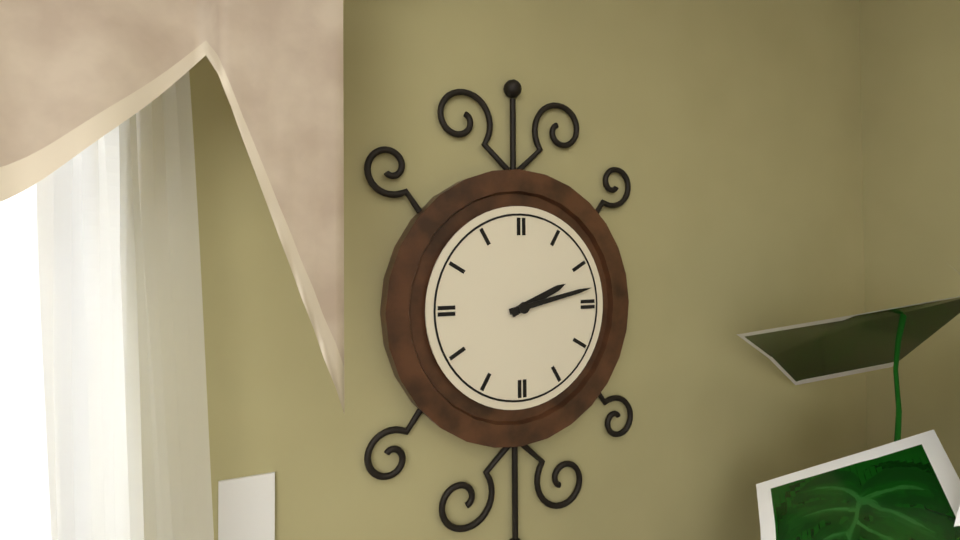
2:13
